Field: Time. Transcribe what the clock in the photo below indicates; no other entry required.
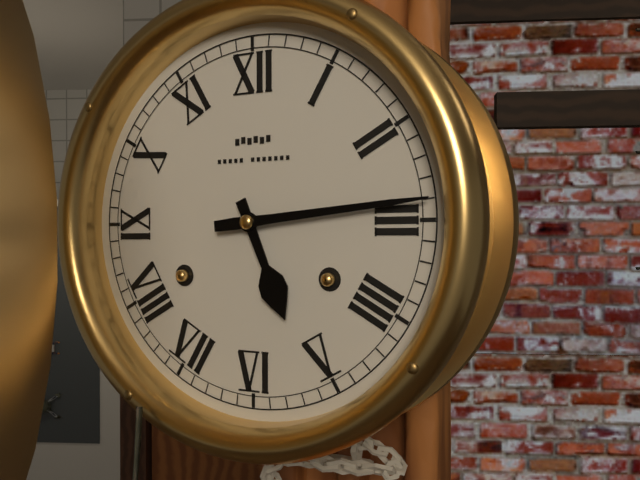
5:14
